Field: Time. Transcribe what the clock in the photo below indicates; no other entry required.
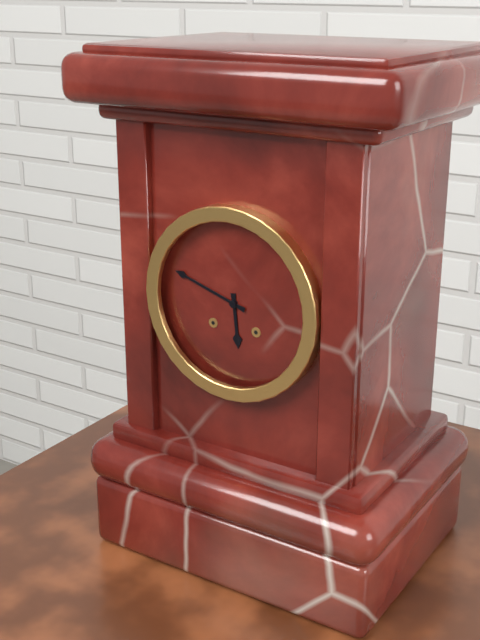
5:48
